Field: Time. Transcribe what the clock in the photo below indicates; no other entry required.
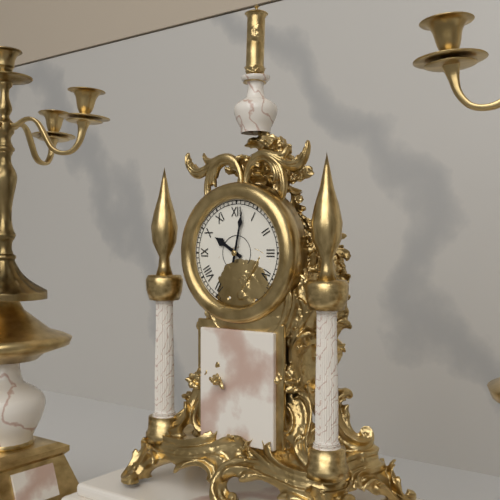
10:02
